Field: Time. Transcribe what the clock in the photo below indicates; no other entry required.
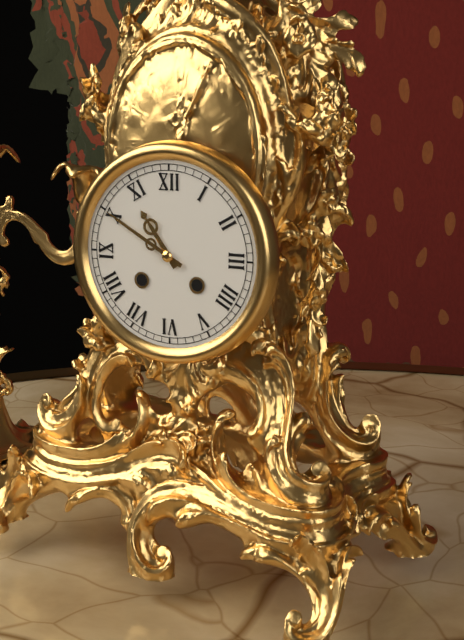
10:50
